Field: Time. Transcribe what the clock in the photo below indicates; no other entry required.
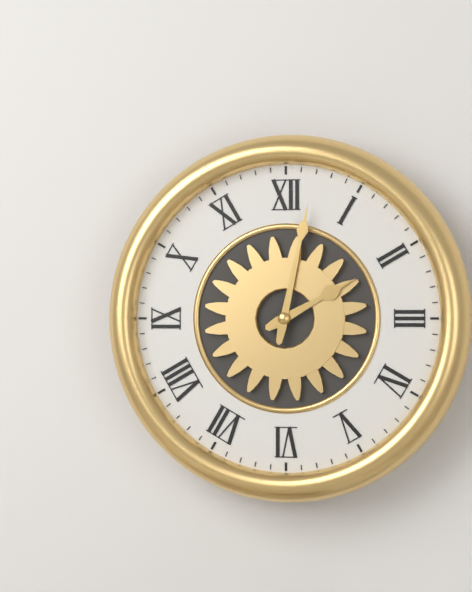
2:02
